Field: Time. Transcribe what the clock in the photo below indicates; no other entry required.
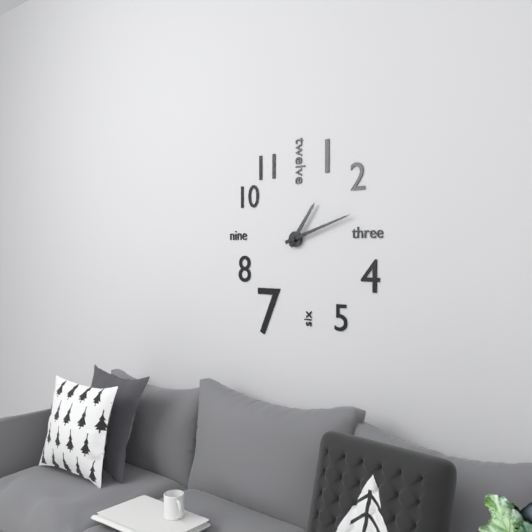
1:12
